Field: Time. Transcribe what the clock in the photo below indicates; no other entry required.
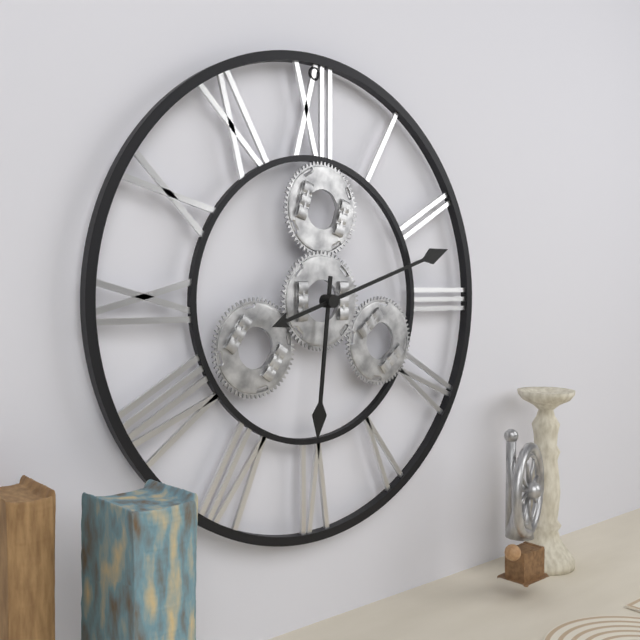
6:12
